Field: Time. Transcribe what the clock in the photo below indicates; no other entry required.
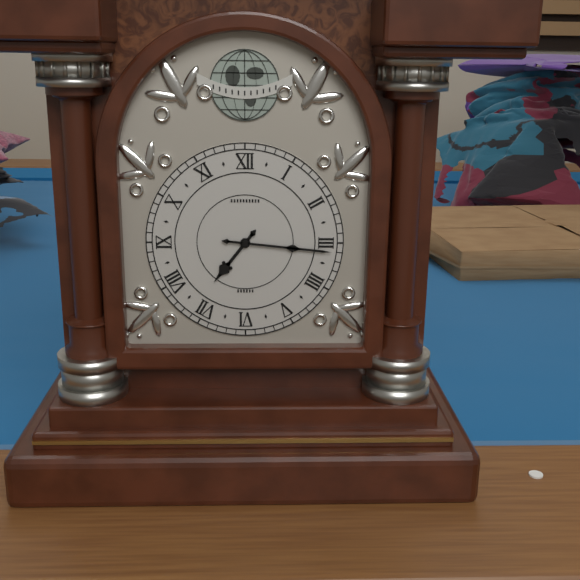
7:16
